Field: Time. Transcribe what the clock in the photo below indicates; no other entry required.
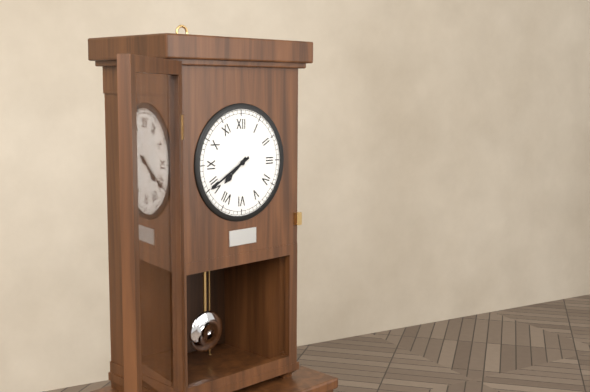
7:40
